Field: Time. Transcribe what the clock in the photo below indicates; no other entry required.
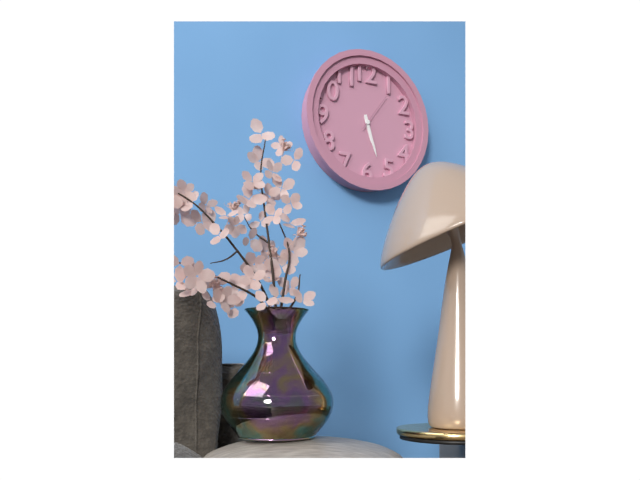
5:27
